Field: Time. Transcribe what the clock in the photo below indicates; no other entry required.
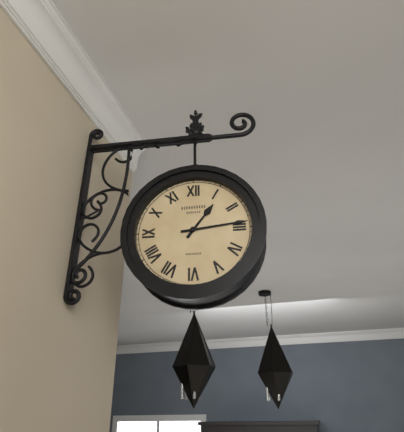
1:14
